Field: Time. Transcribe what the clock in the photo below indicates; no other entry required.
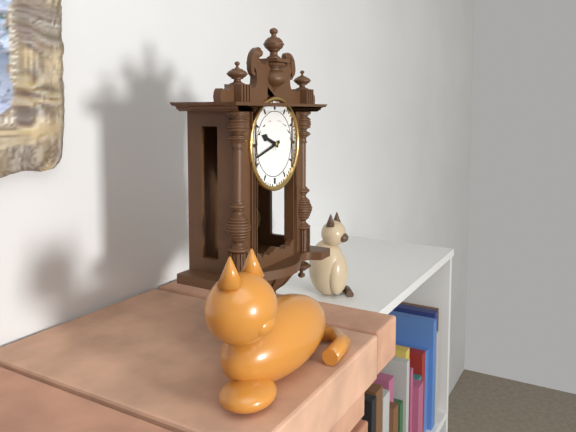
9:42
